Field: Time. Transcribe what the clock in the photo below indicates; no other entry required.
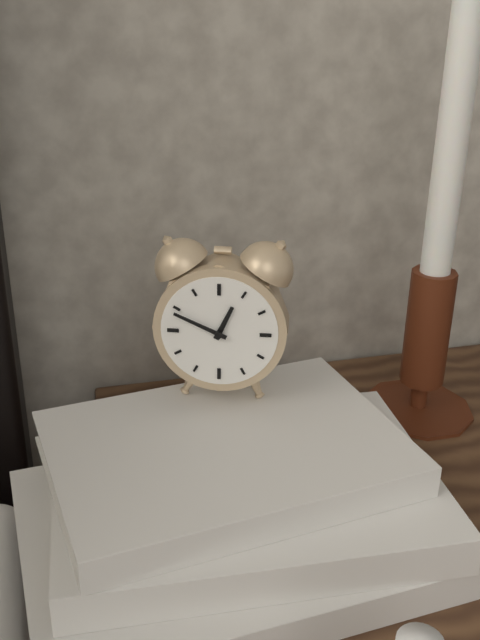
12:49
